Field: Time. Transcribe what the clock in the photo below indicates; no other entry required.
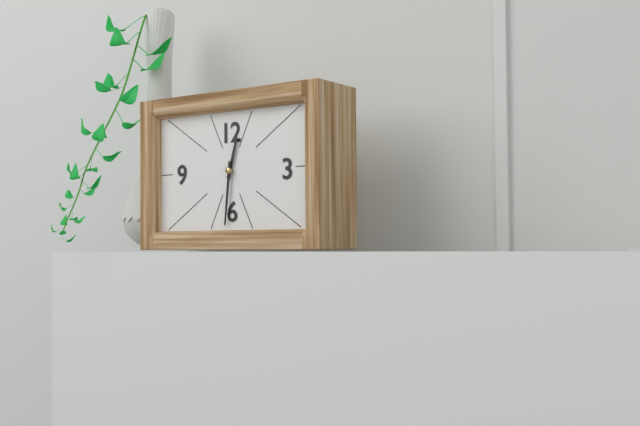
12:31
